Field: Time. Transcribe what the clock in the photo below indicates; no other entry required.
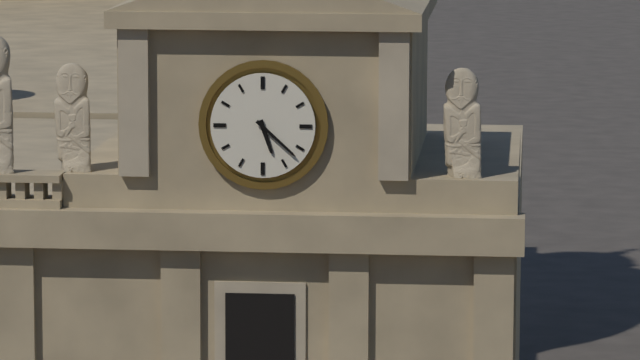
5:22
